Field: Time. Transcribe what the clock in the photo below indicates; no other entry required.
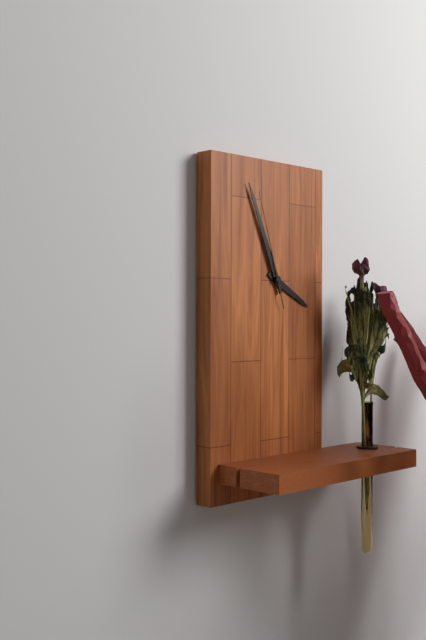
3:56:57
